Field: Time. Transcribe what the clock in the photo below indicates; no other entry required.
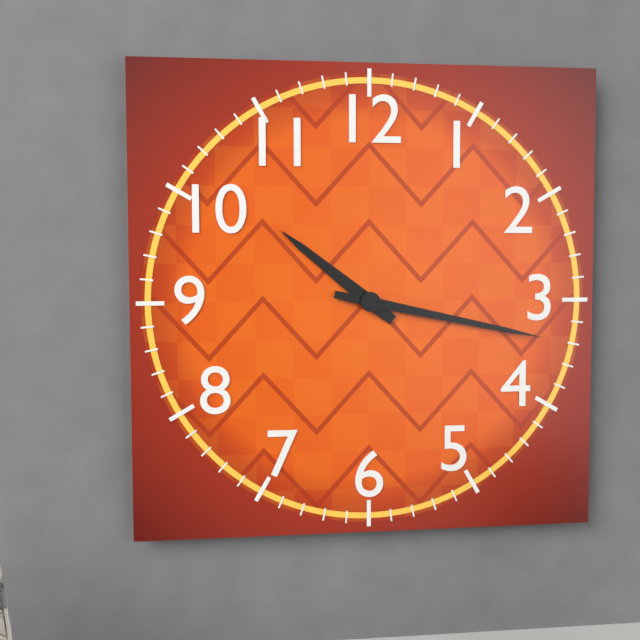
10:17
